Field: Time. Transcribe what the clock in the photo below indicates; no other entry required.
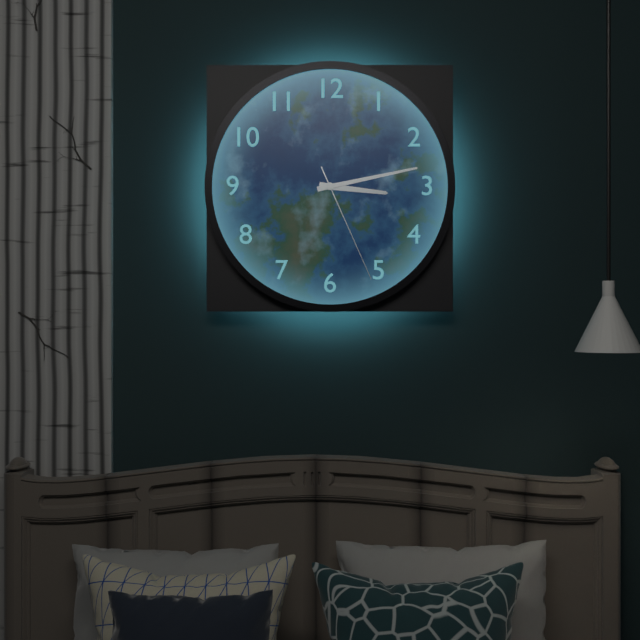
3:13:26
